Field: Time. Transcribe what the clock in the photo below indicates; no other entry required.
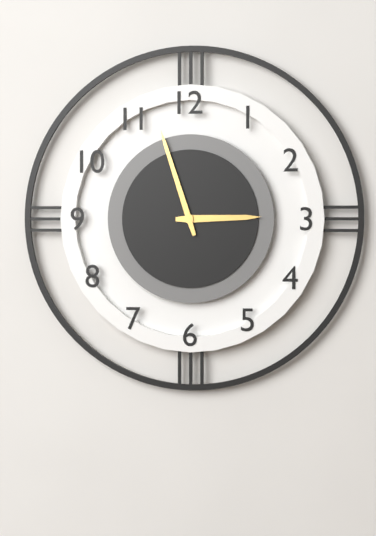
2:57
